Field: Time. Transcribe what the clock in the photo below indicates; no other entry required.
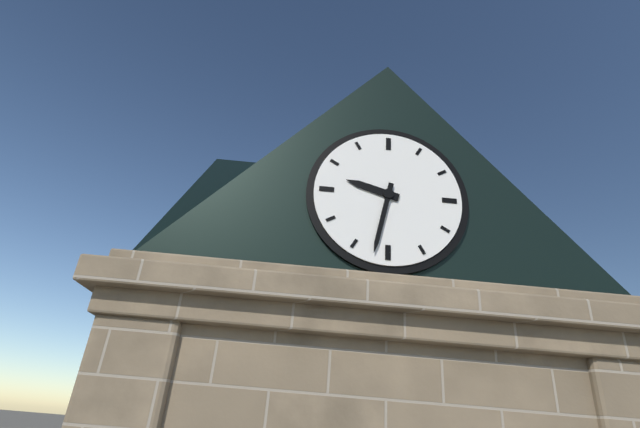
9:32
